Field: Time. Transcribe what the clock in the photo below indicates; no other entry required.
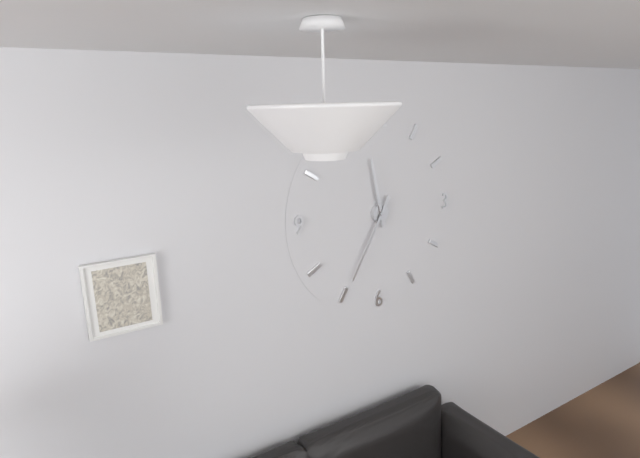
11:35
